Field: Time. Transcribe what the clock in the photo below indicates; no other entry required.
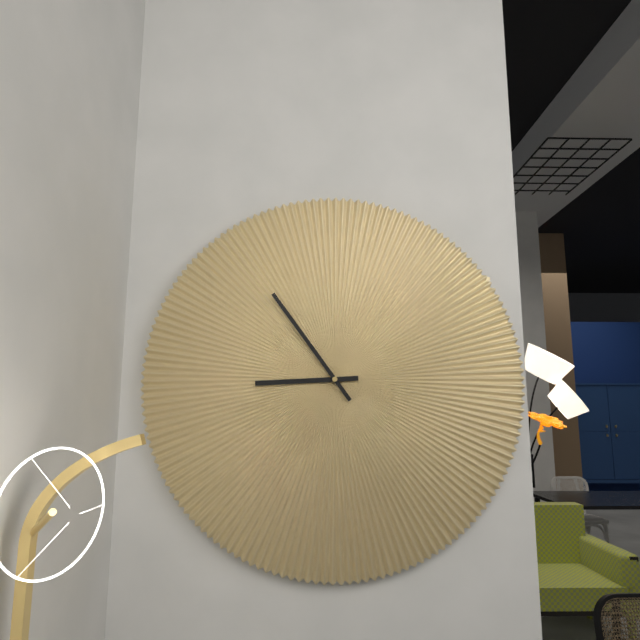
8:54
